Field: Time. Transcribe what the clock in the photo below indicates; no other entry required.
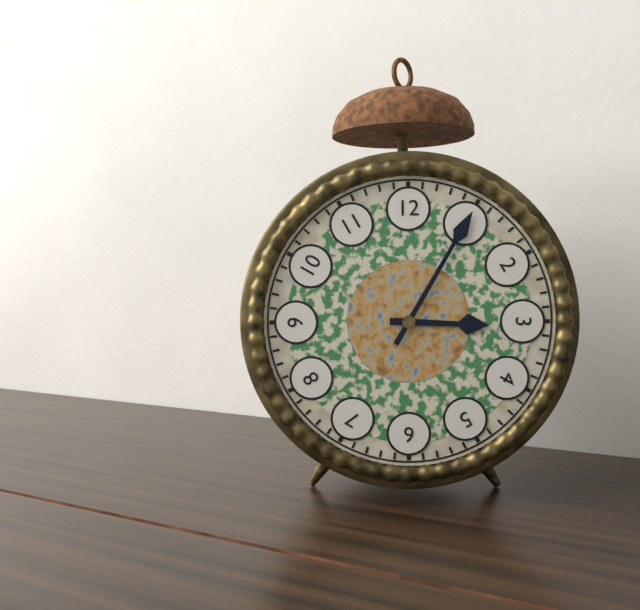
3:05
